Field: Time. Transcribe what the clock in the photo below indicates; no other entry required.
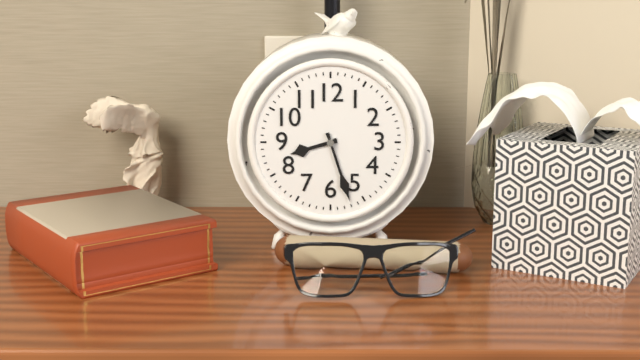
8:27
